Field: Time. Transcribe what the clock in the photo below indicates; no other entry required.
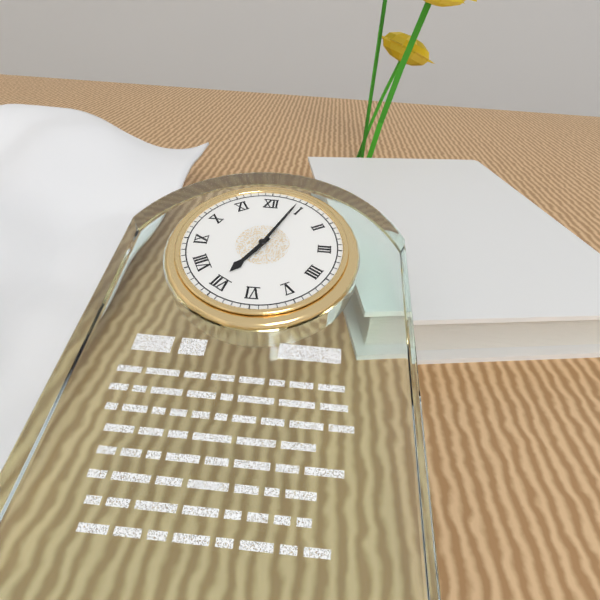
7:04
